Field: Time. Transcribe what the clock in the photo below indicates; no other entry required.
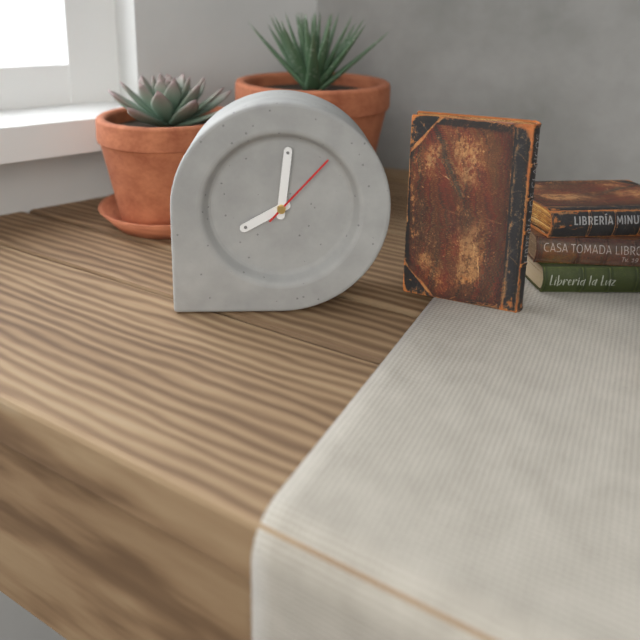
8:01:07
